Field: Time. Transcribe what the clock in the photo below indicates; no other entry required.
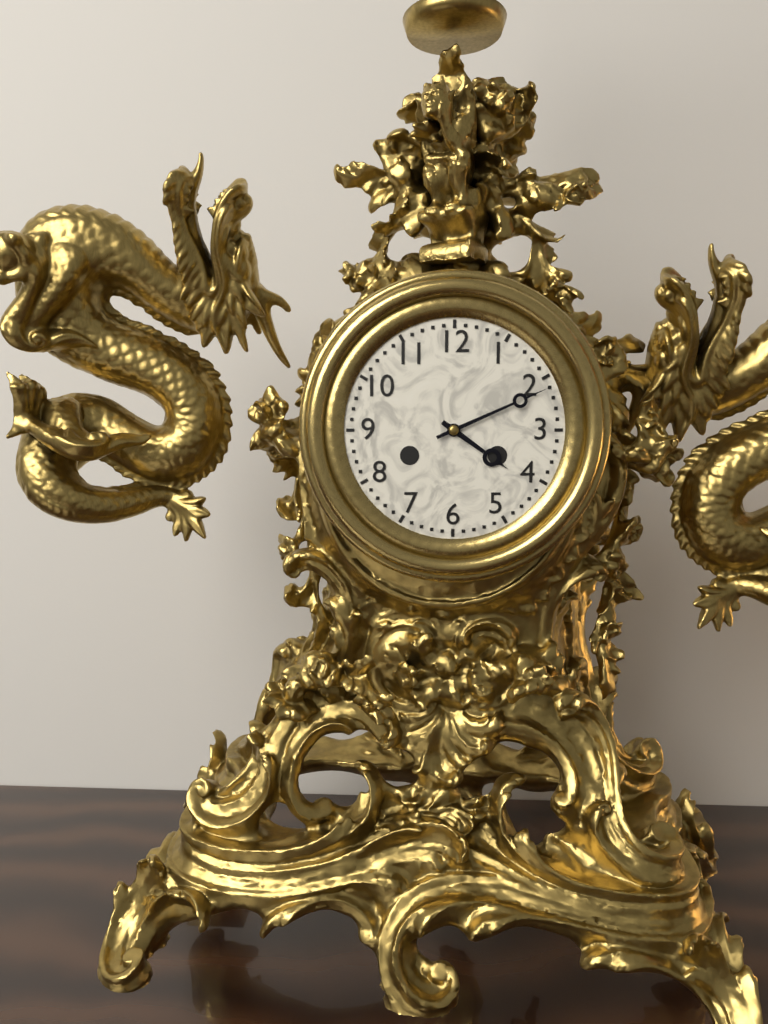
4:11
